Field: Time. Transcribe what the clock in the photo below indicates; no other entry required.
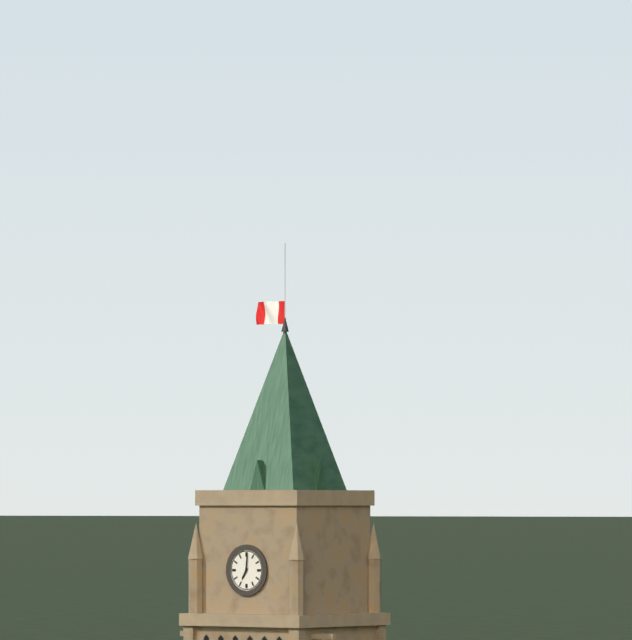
7:01
